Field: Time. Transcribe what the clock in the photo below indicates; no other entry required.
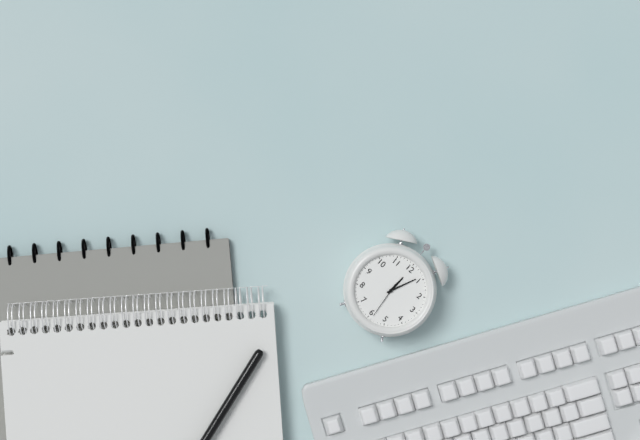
12:04
